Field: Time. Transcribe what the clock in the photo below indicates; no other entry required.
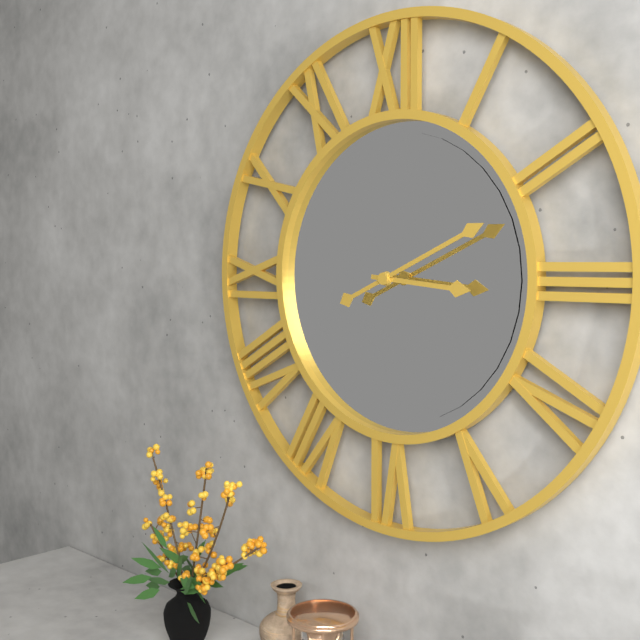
3:11
